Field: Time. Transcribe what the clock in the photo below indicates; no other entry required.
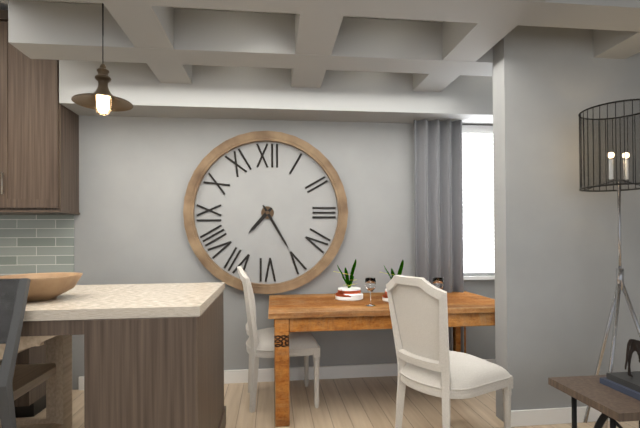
7:25
